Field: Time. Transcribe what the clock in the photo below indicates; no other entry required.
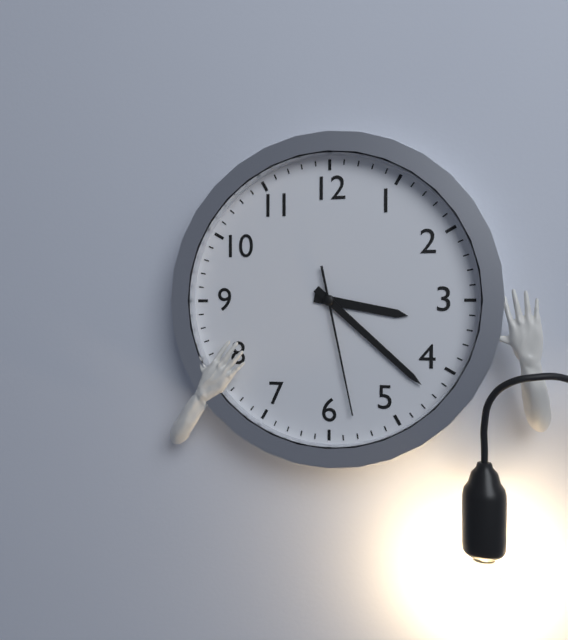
3:22:28
